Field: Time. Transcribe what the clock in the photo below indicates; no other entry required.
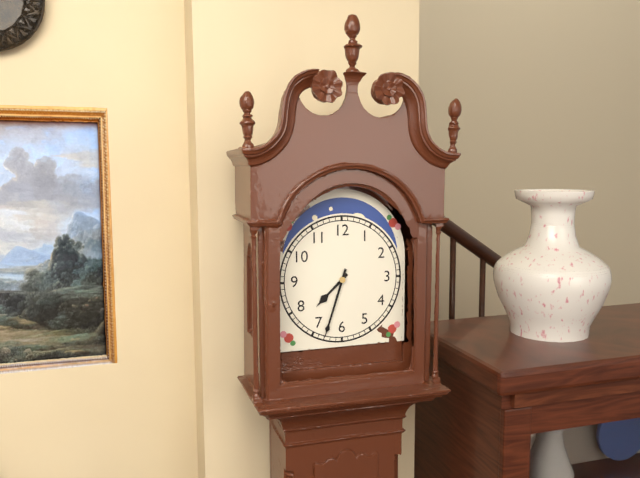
7:33
